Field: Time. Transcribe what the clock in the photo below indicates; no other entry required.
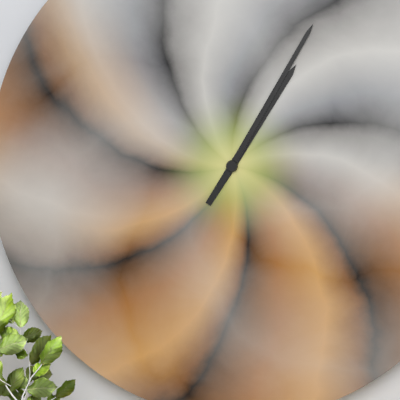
1:05
